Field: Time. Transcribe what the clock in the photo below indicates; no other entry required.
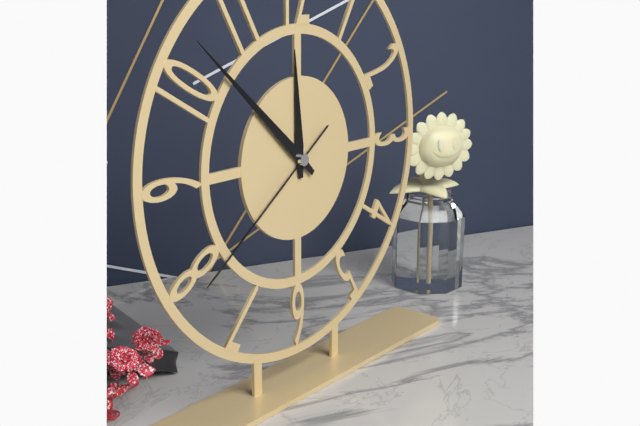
11:52:39
